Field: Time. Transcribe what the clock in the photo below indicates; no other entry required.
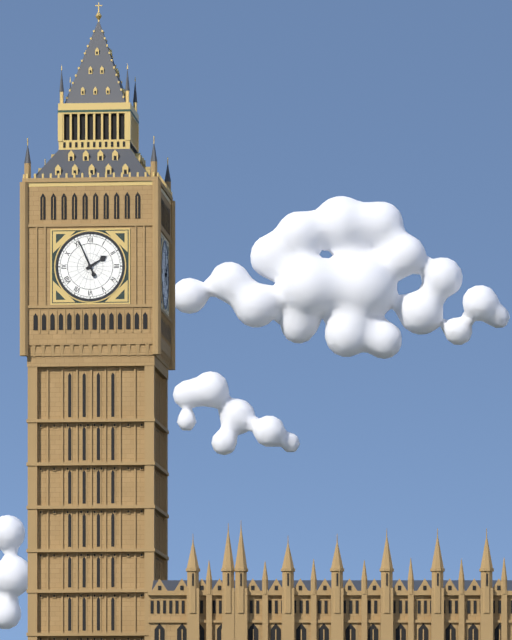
1:56
